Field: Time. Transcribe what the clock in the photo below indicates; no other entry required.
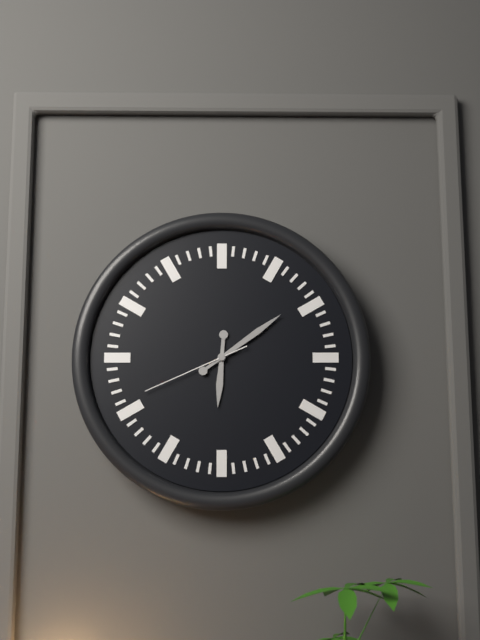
6:09:41
